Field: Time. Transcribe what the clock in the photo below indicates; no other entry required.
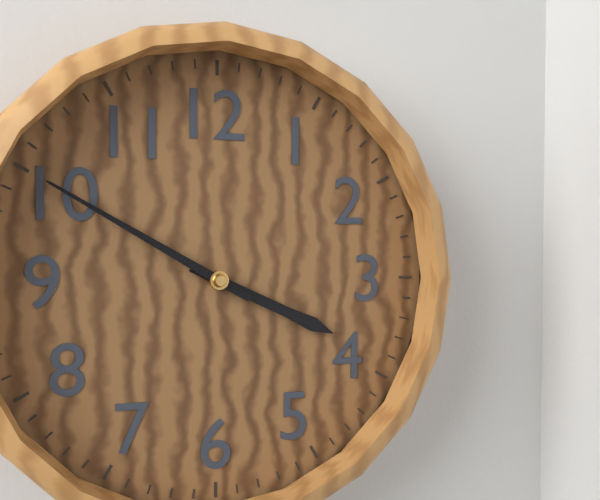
3:50
